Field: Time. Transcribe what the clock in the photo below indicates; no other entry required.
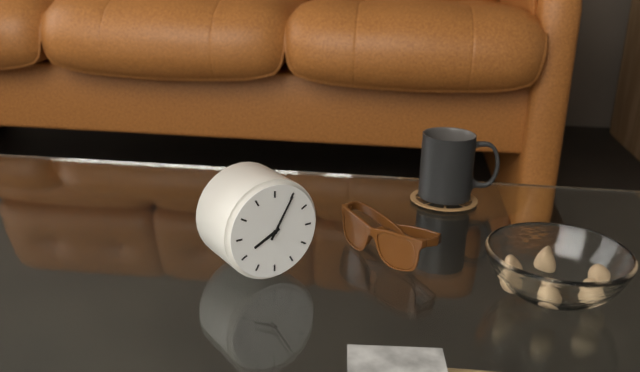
8:05
